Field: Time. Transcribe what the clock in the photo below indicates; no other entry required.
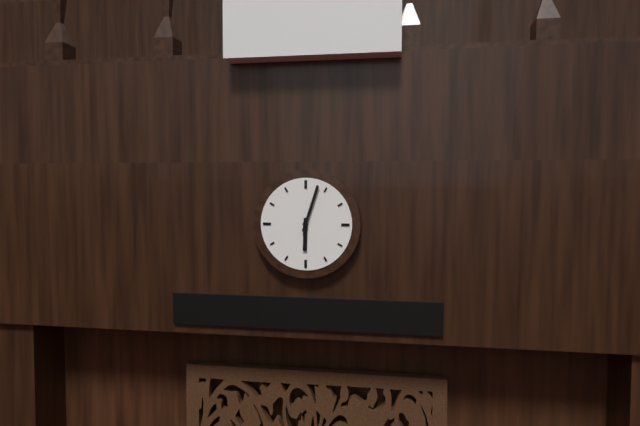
6:03
